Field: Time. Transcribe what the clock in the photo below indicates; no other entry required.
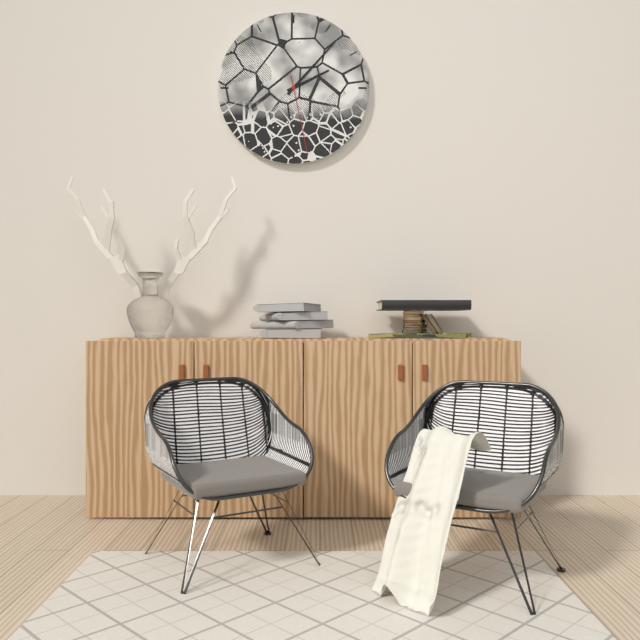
2:07:28
